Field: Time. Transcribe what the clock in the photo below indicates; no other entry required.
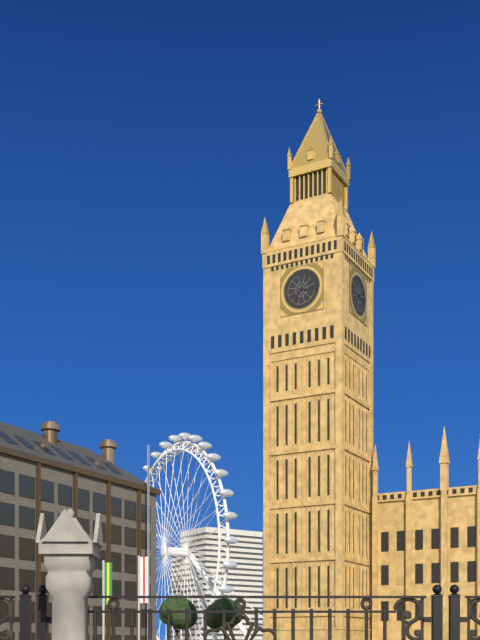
7:17
